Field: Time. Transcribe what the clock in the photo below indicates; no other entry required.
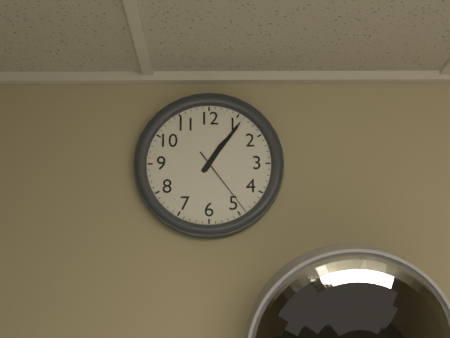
1:06:24
